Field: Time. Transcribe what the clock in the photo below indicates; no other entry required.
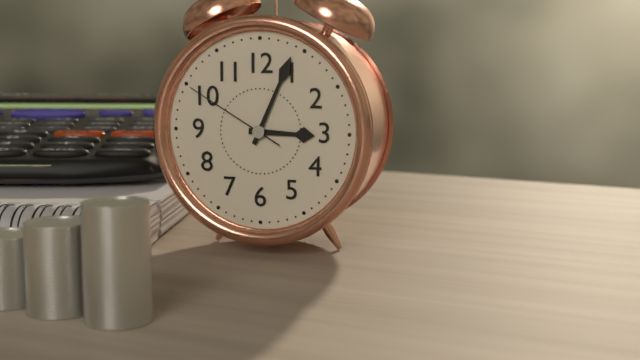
3:04:50
